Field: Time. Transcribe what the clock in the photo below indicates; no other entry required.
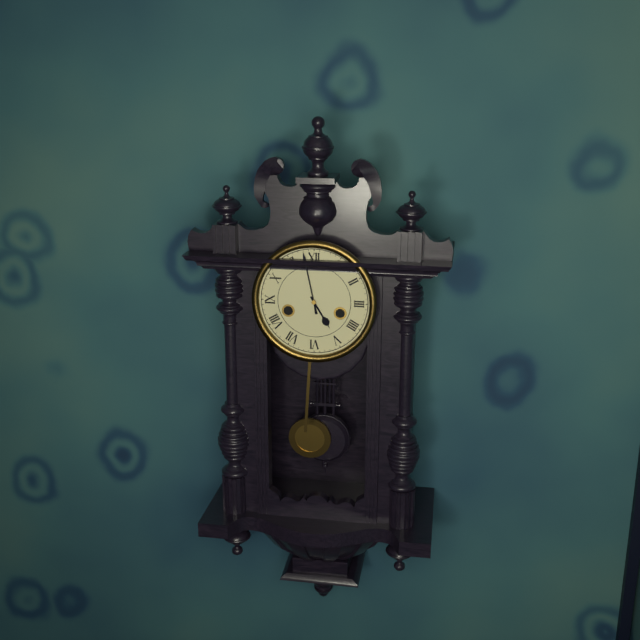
4:58
